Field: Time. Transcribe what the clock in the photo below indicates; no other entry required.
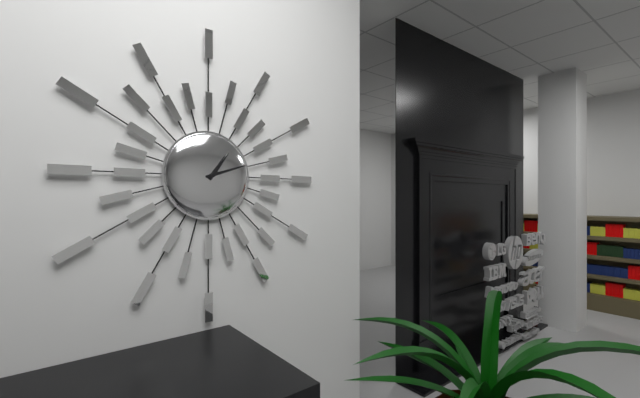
1:12
